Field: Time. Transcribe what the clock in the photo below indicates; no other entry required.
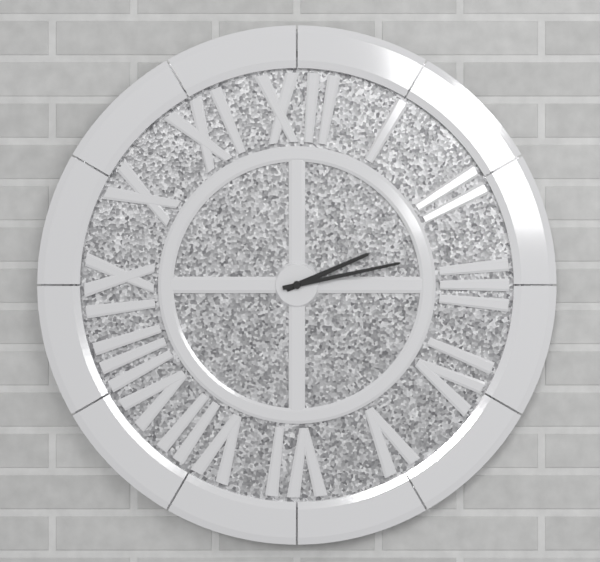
2:13
